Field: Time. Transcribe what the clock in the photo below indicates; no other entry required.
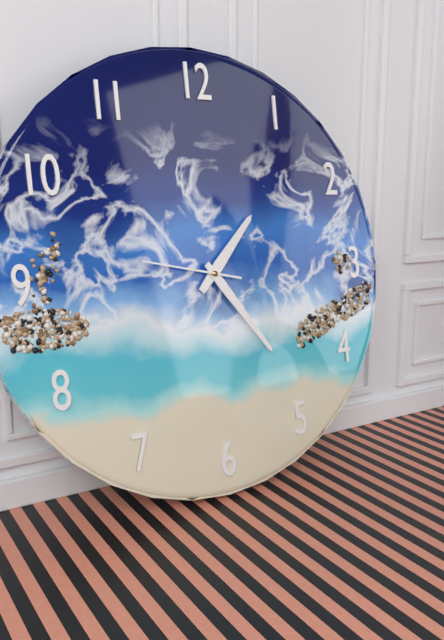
1:24:47
